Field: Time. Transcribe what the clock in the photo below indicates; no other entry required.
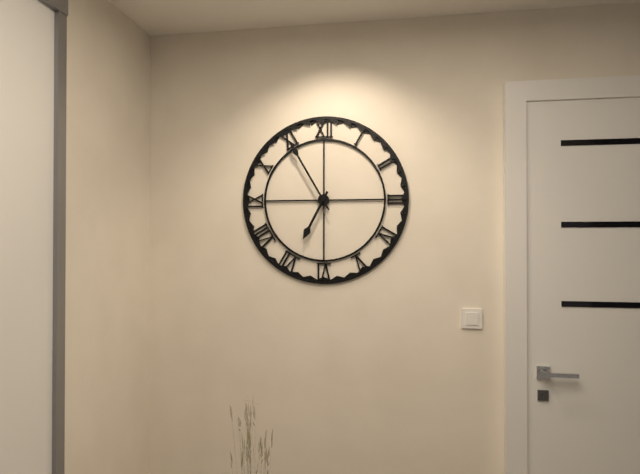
6:55
